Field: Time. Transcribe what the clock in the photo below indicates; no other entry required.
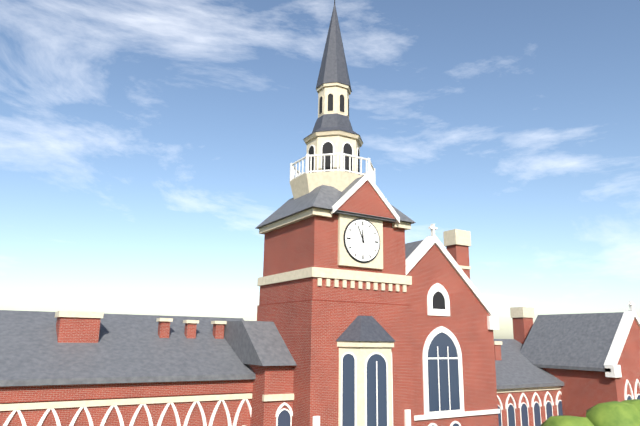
11:56
